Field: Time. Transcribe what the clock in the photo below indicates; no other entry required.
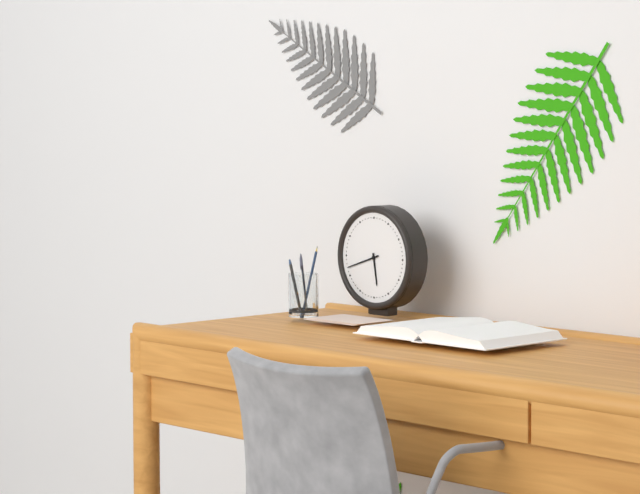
5:42
